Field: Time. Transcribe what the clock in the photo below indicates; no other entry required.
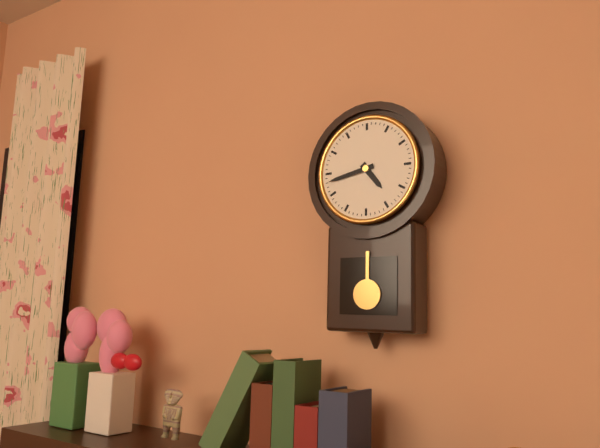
4:43
